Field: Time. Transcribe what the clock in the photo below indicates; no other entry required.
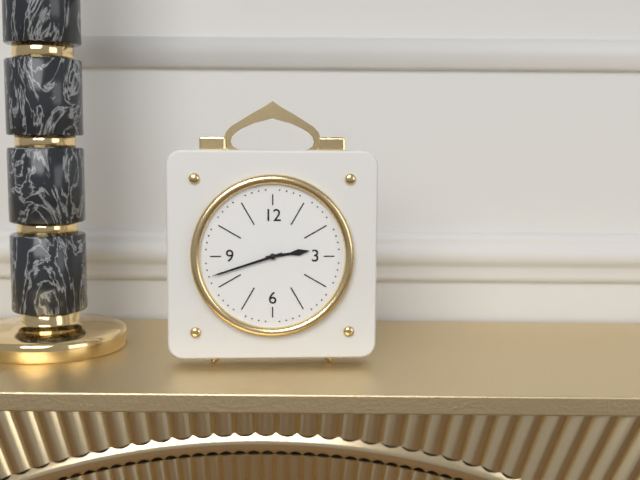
2:42
